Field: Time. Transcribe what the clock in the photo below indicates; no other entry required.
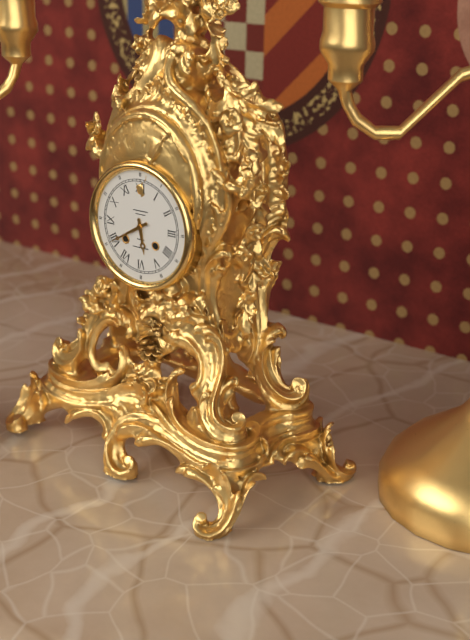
5:40
